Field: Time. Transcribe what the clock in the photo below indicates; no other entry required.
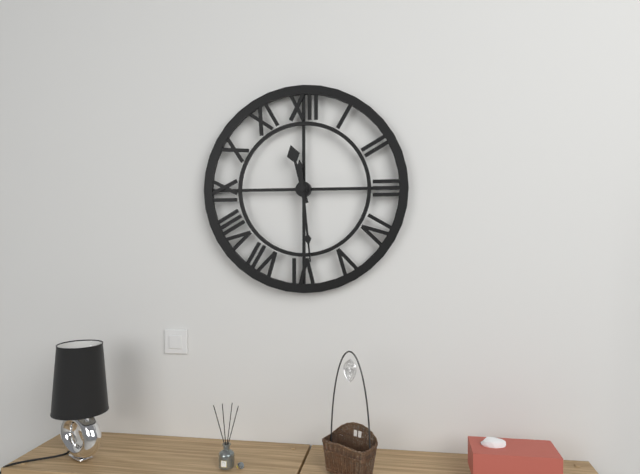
11:29
